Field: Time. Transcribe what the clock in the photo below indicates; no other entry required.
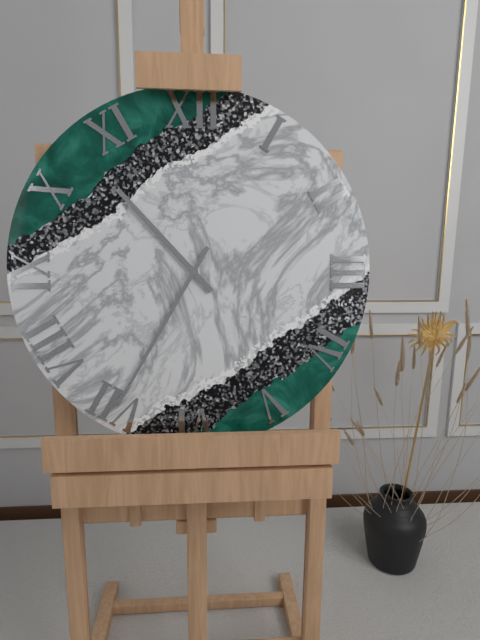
10:35
